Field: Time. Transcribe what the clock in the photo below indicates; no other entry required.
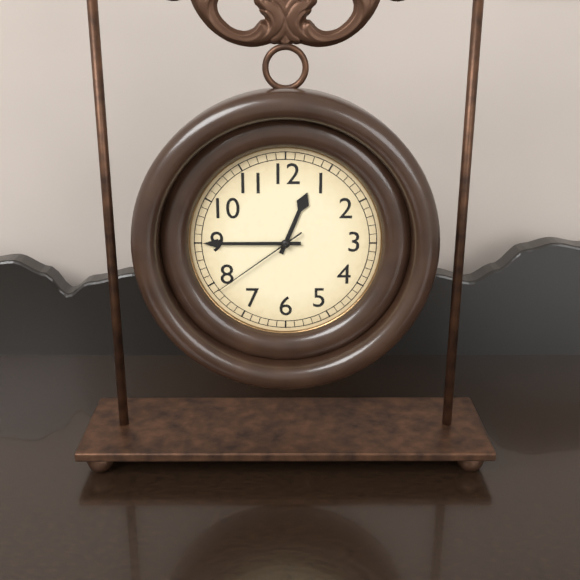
12:45:39
